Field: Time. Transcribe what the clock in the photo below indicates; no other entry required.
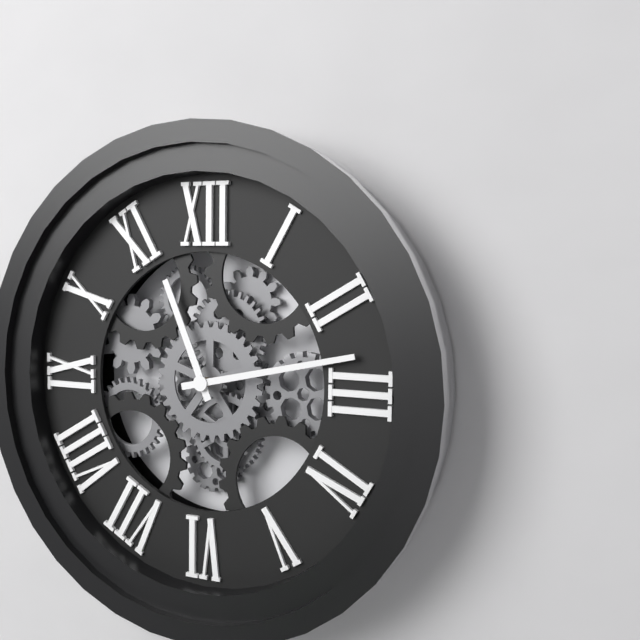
11:13
